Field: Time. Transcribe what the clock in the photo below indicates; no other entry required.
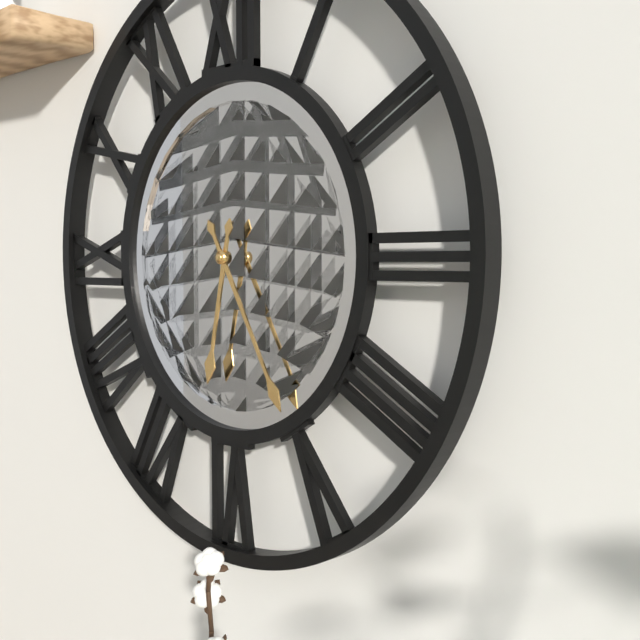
6:25
